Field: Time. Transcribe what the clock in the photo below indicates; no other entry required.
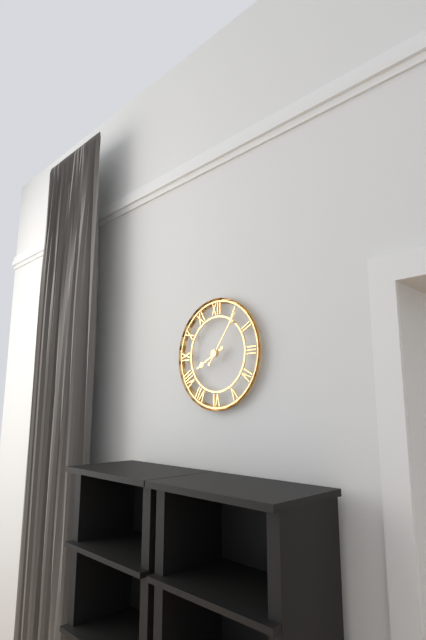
8:06
